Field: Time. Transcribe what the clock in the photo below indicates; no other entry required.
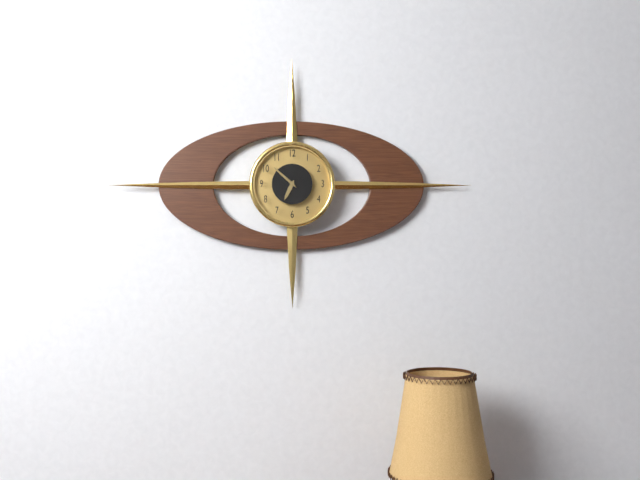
6:52
